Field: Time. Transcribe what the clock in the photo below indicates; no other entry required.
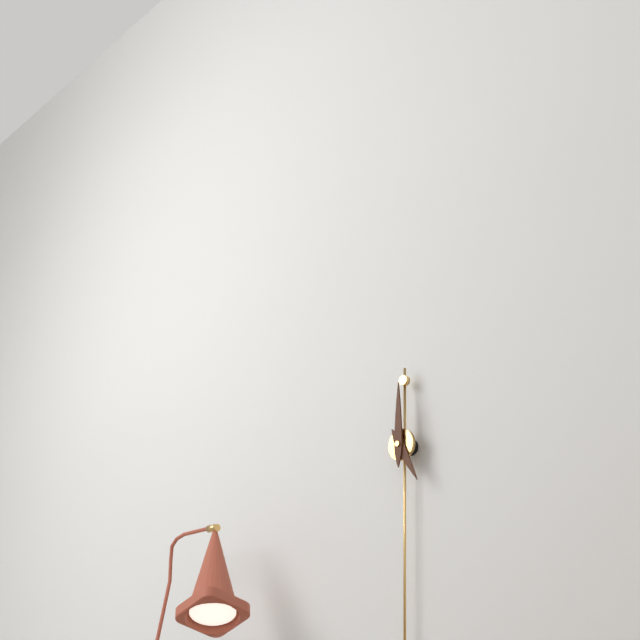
5:00
